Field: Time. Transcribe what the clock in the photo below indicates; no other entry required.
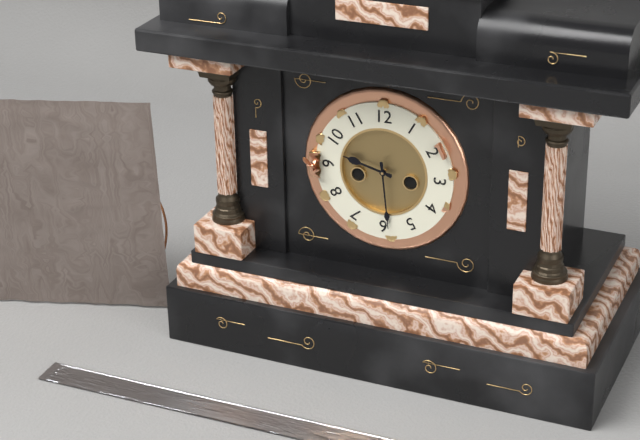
9:29
